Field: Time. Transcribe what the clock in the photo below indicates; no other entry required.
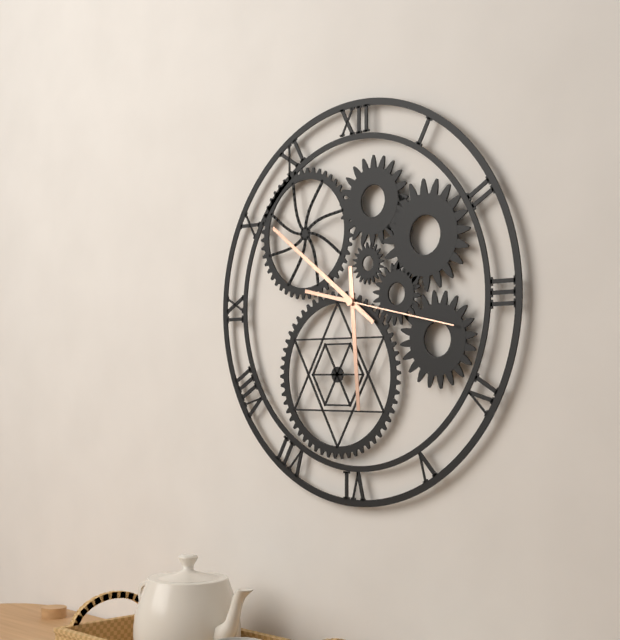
5:51:17
